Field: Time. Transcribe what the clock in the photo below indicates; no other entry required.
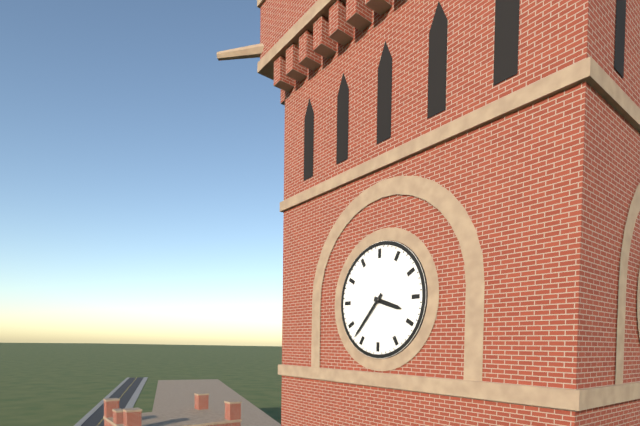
3:37
